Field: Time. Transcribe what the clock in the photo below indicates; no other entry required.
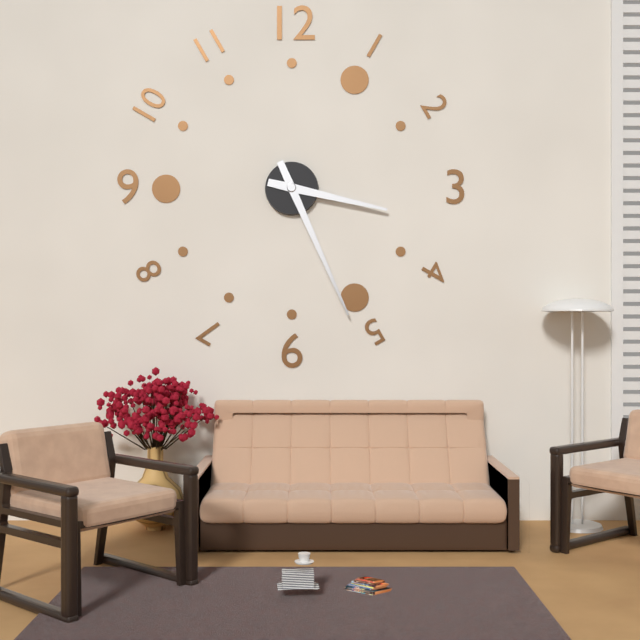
3:26
